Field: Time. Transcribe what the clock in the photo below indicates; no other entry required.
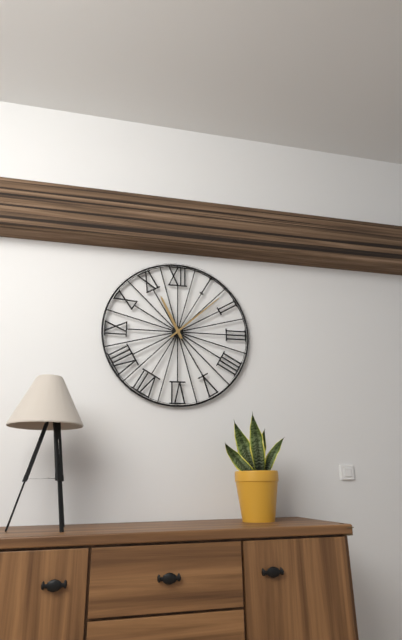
11:08
